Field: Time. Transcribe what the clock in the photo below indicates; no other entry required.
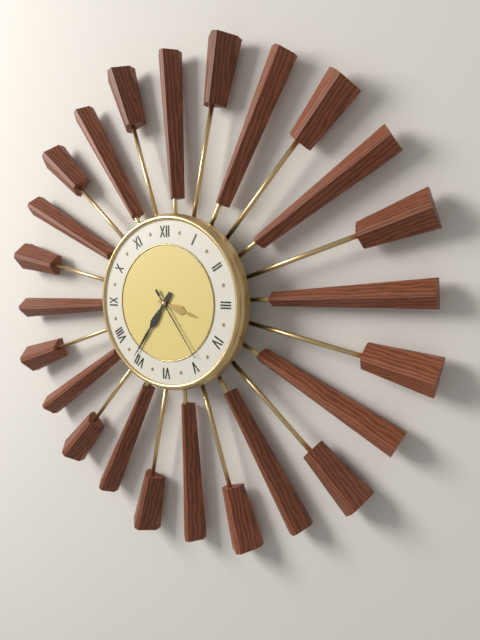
3:36:24
